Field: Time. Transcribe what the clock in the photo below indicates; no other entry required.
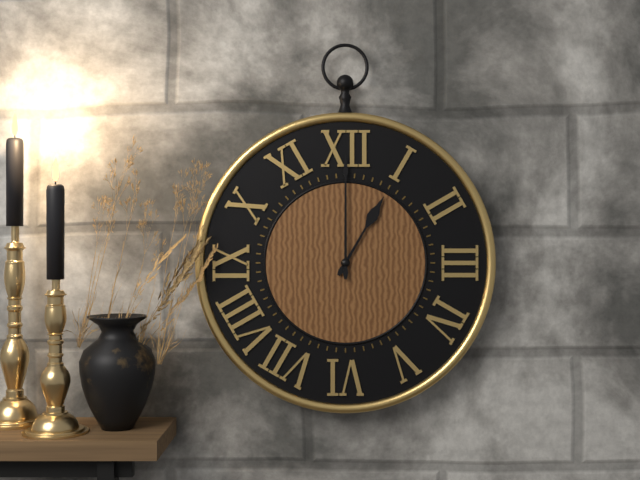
1:00
